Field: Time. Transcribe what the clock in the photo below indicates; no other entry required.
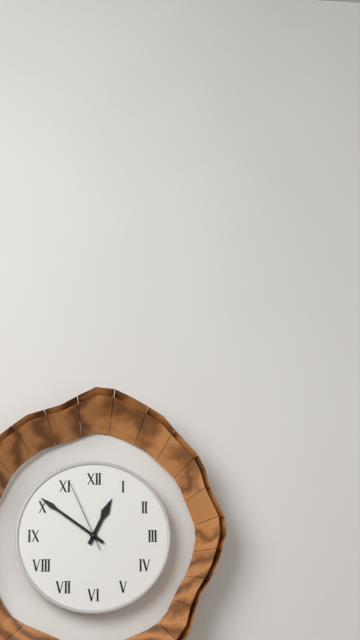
12:51:56
